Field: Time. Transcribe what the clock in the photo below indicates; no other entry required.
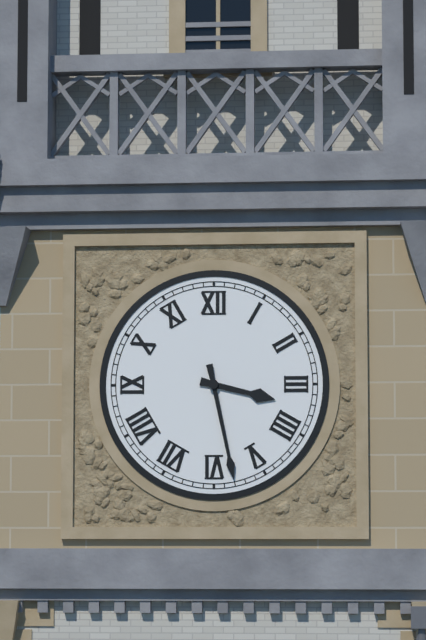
3:28
